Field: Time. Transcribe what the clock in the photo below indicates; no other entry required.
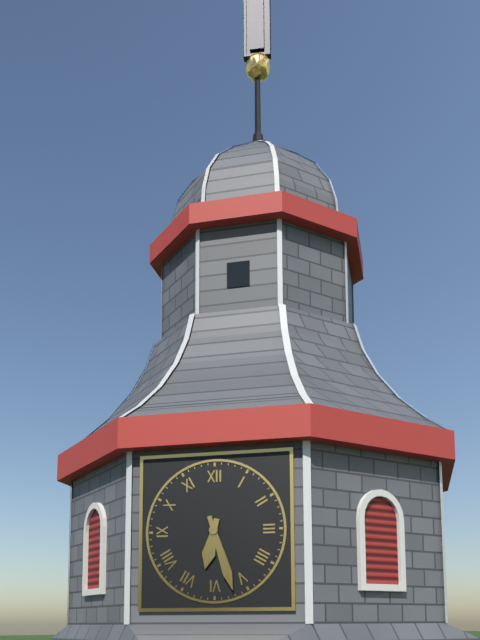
6:27
